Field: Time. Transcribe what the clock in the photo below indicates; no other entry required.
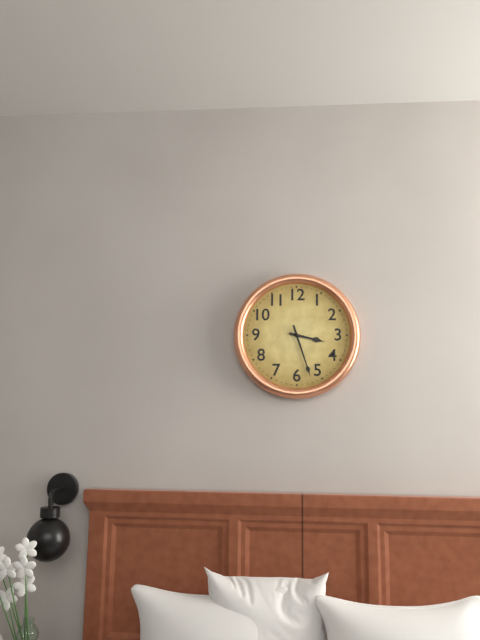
3:27
